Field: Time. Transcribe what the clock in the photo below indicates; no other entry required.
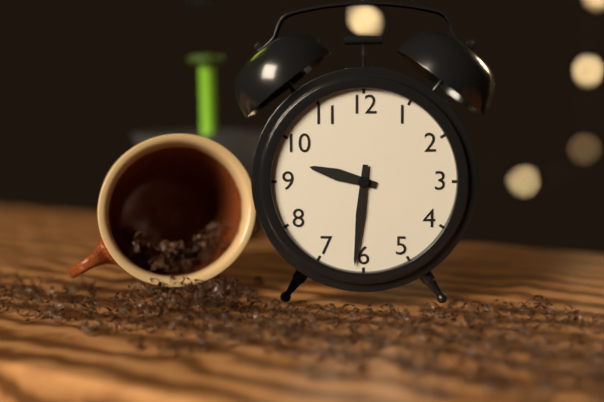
9:31
